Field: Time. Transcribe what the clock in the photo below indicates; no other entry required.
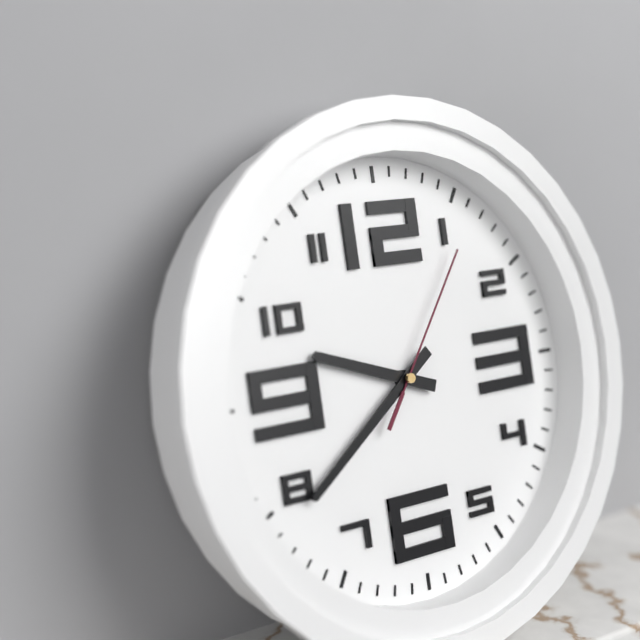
9:39:06
